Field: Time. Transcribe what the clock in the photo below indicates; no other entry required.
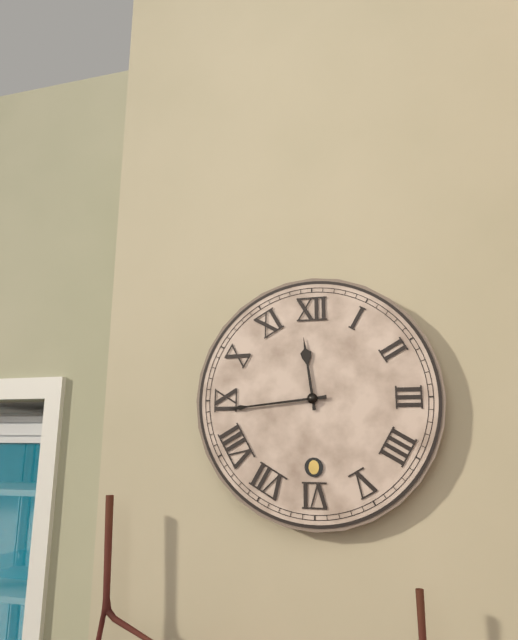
11:44
